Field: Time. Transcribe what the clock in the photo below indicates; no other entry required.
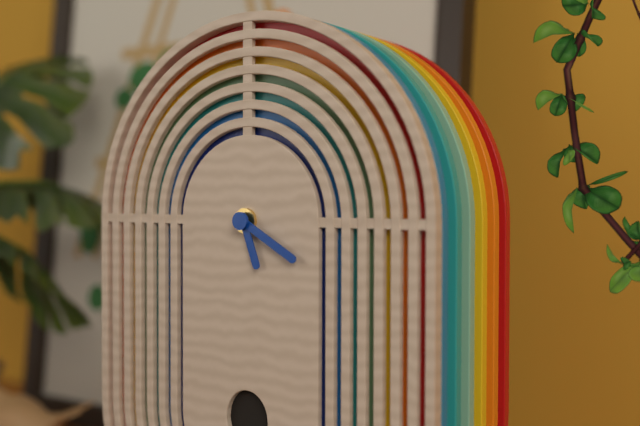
5:20
